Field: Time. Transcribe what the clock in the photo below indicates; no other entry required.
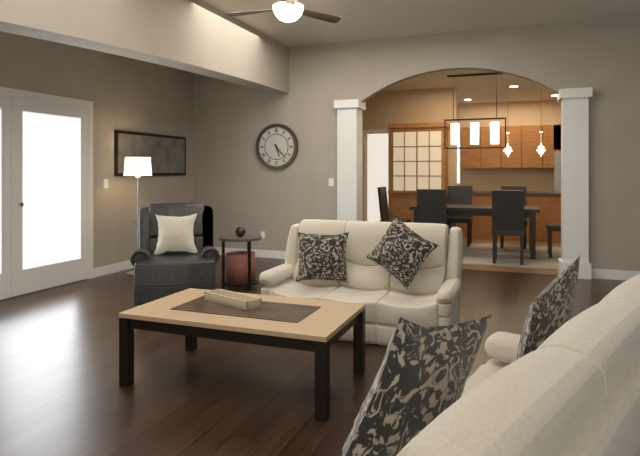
5:23
